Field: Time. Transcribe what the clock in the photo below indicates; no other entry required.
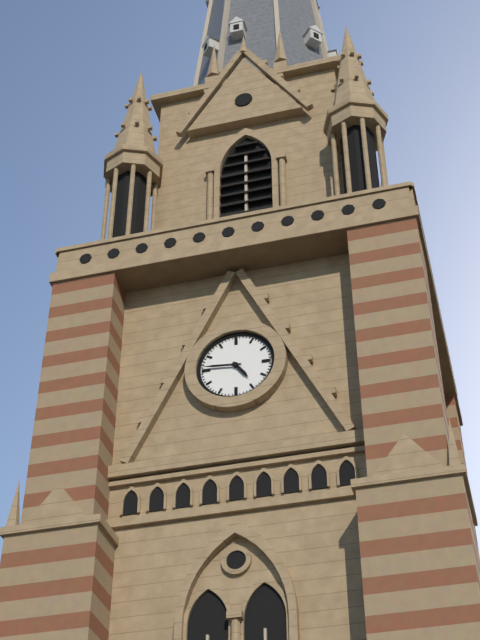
4:46
